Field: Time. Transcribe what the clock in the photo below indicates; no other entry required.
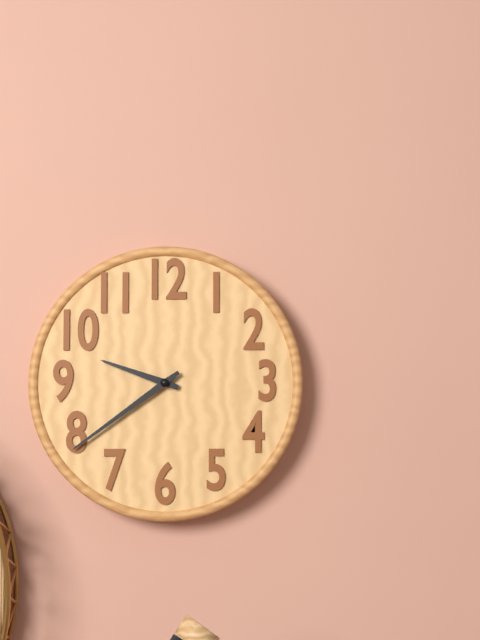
9:39
